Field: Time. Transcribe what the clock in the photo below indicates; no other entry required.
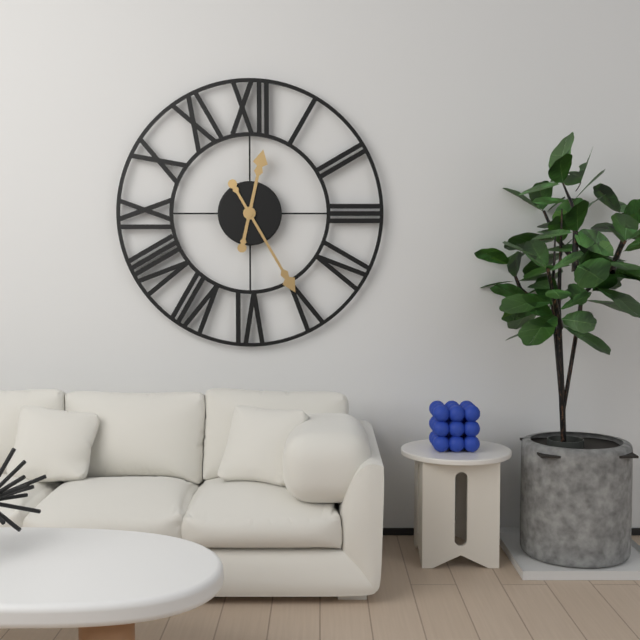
12:25
